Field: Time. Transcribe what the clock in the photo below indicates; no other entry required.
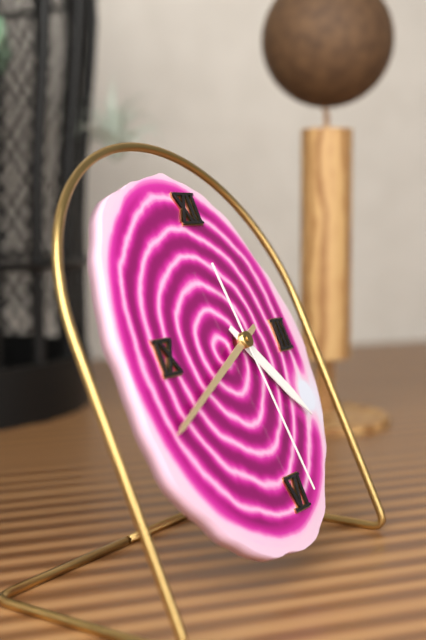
4:41:29
